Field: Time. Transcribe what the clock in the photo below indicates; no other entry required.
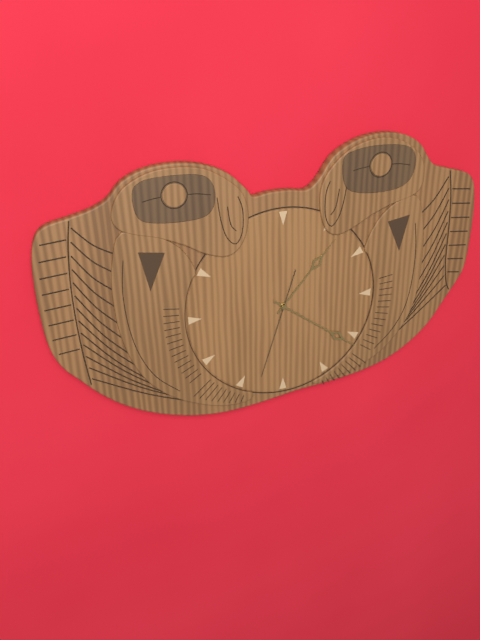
1:21:33
